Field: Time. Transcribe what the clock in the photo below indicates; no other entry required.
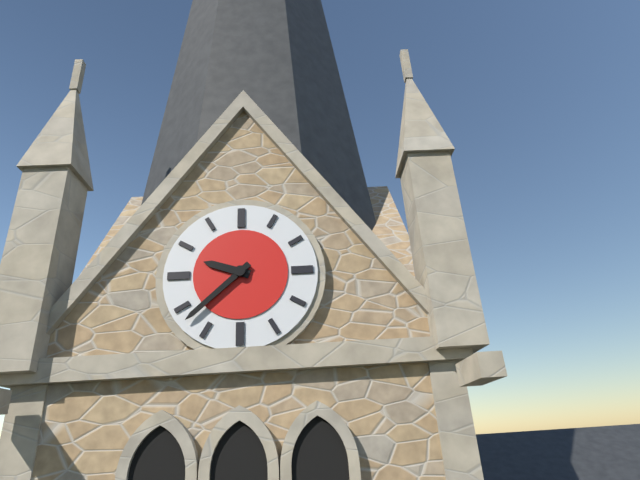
9:38
